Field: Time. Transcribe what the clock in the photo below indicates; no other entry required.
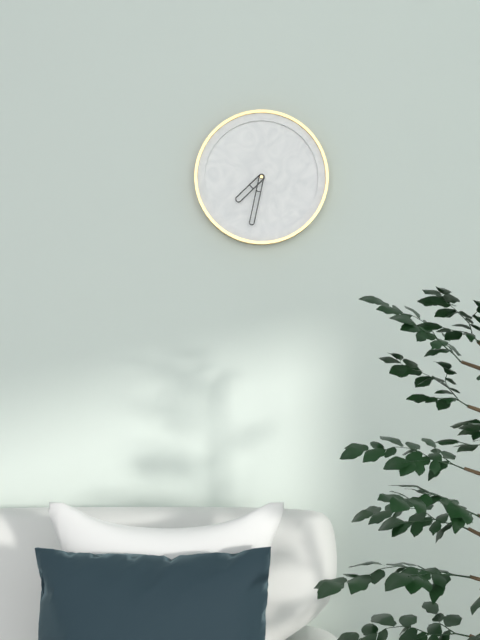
7:32
